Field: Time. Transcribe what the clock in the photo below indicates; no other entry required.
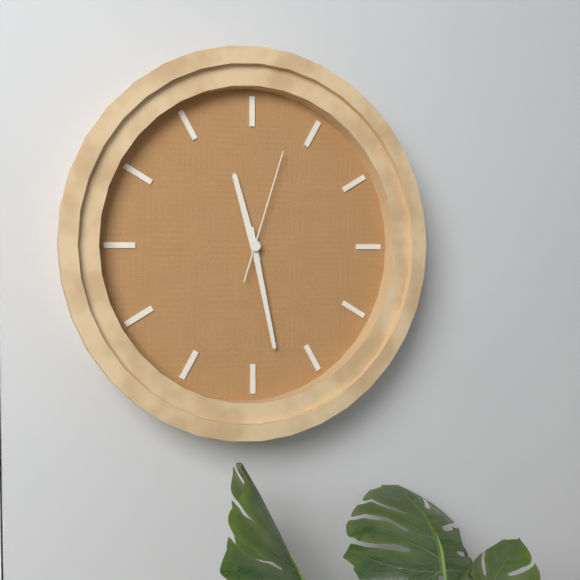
11:28:03
